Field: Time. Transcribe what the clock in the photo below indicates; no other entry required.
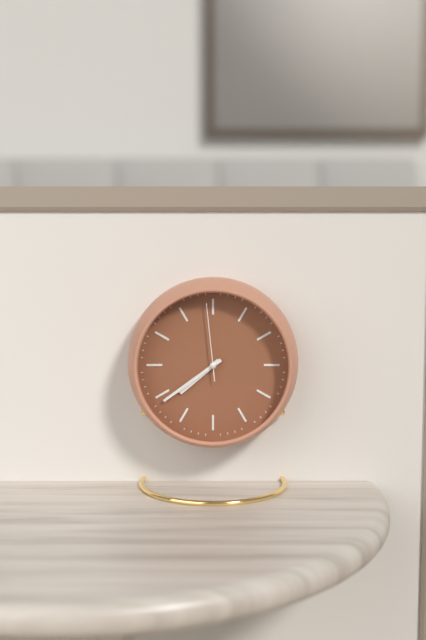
7:39:59
